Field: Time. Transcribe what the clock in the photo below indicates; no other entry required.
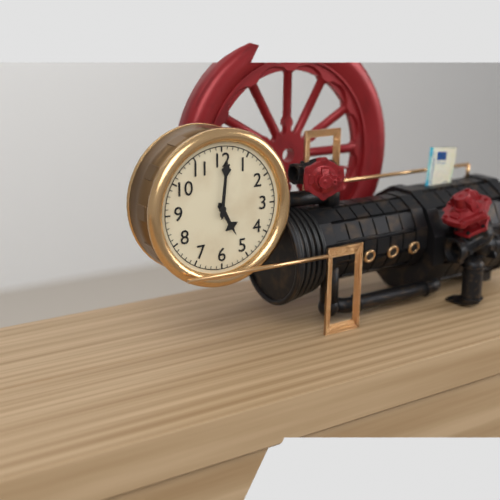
5:01
